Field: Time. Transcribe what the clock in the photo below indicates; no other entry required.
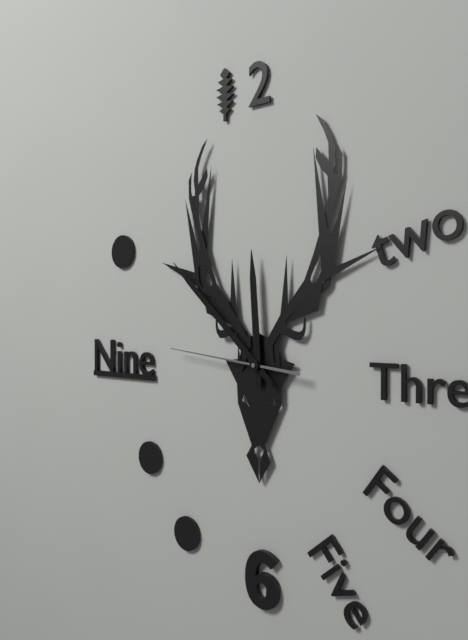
11:52:46
